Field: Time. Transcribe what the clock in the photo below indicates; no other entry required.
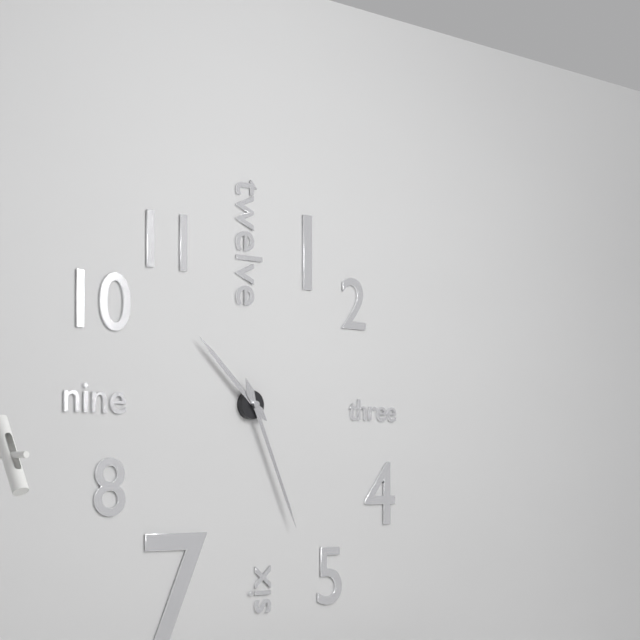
10:26
